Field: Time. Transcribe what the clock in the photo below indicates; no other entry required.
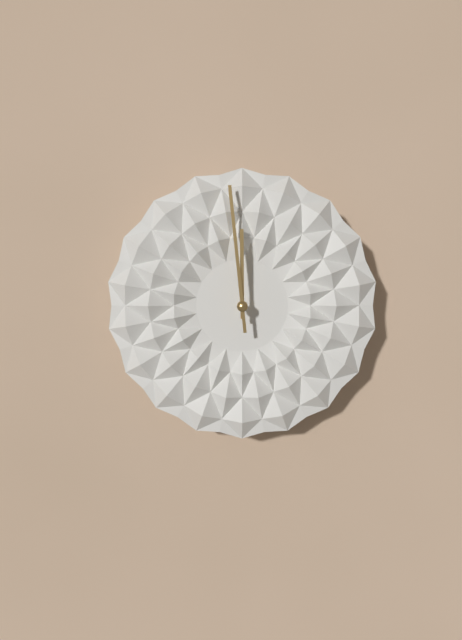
11:59
